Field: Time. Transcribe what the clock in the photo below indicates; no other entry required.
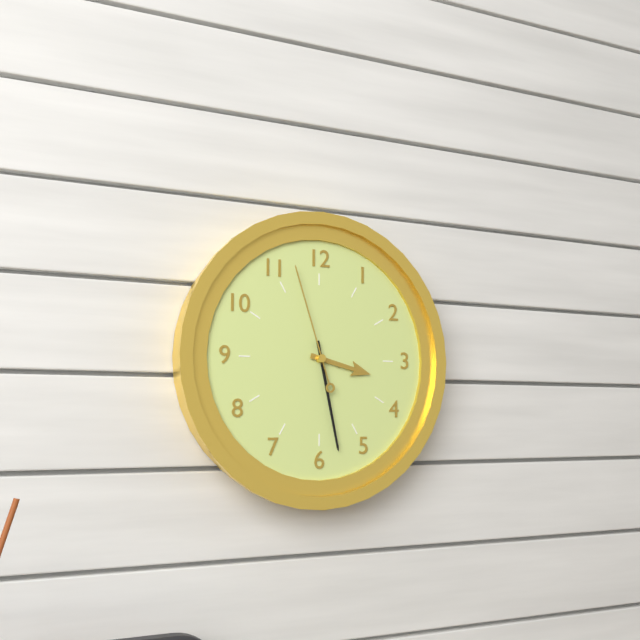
3:28:57
